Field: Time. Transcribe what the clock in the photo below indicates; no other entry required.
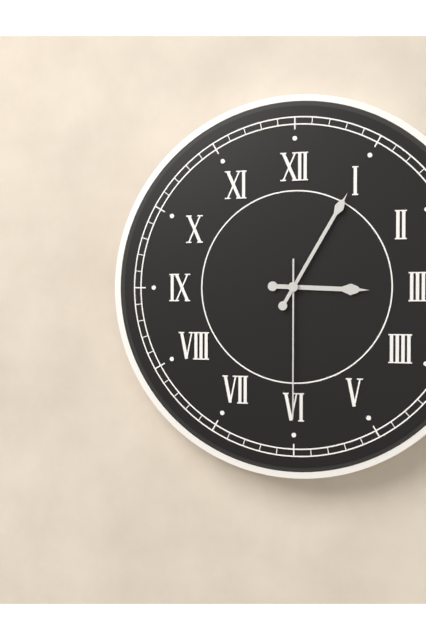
3:05:30
